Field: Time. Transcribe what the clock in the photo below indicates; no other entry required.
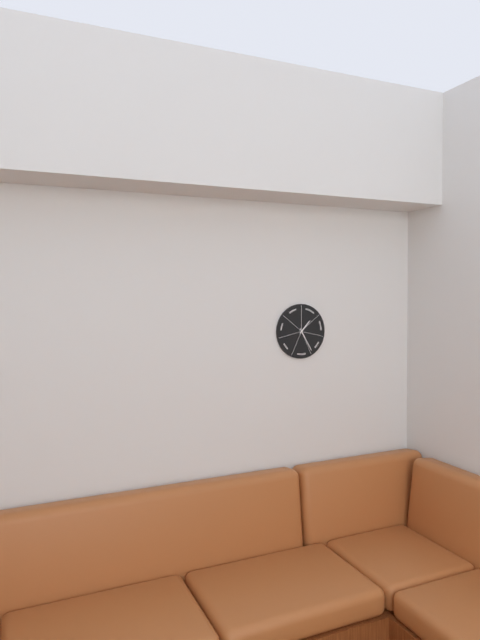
1:25
